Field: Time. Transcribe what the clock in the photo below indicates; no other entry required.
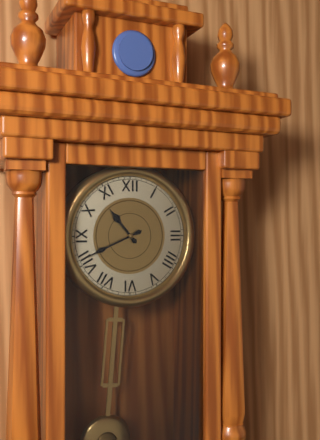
10:41
